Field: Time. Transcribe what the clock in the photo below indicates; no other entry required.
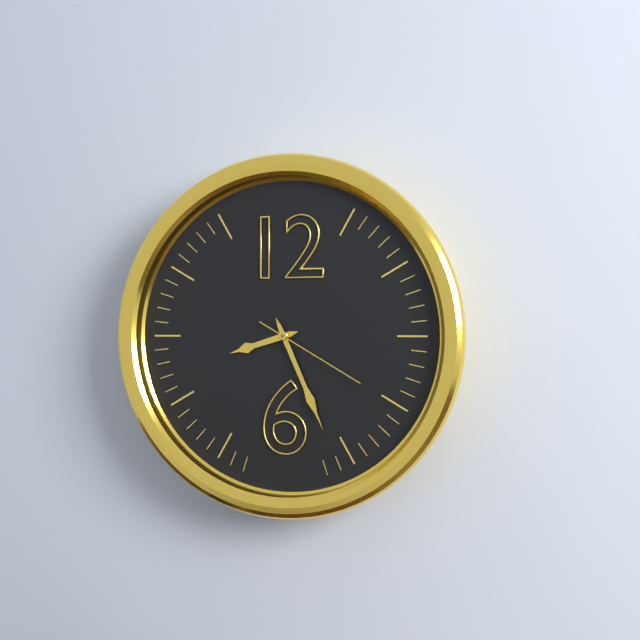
8:26:20
